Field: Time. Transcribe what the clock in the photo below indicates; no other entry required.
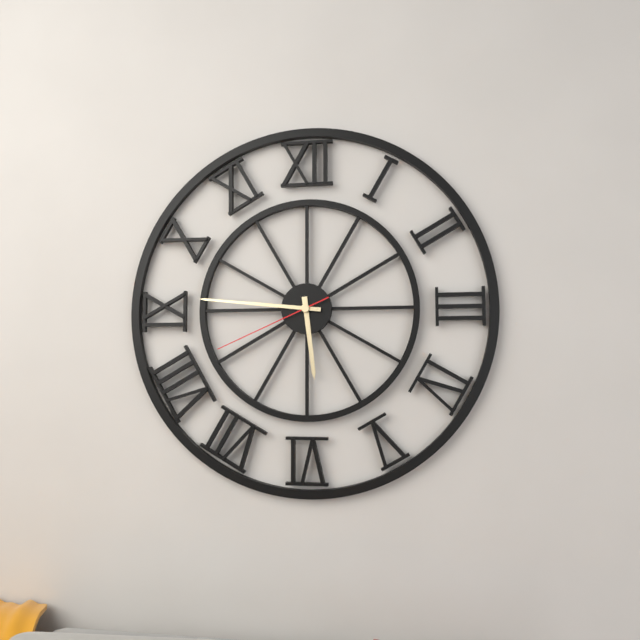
5:46:41
